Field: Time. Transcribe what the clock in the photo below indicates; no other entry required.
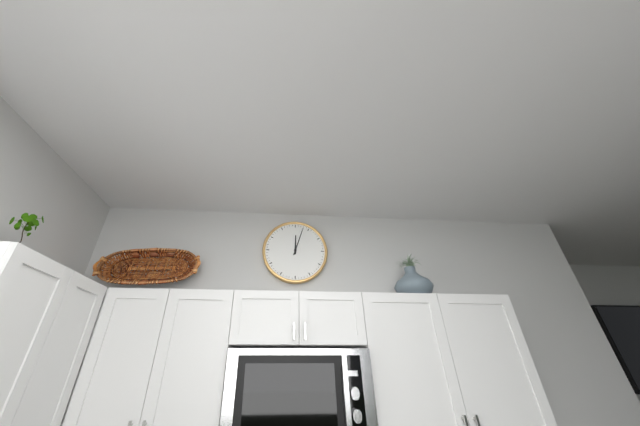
12:03
